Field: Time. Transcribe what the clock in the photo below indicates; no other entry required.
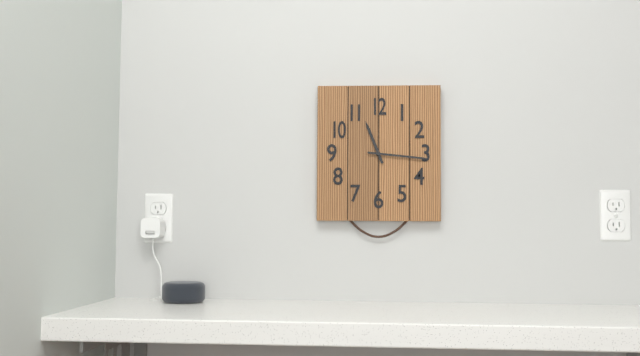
11:16
